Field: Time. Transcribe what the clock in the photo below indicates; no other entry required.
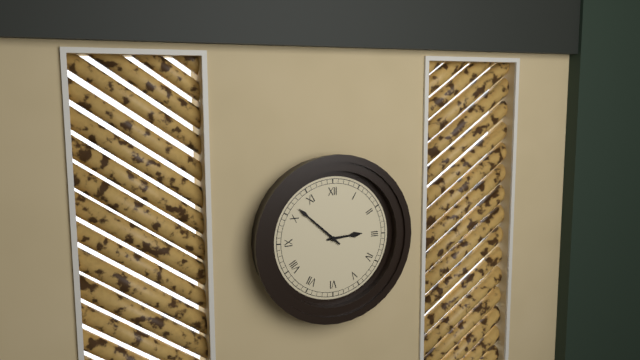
2:52
